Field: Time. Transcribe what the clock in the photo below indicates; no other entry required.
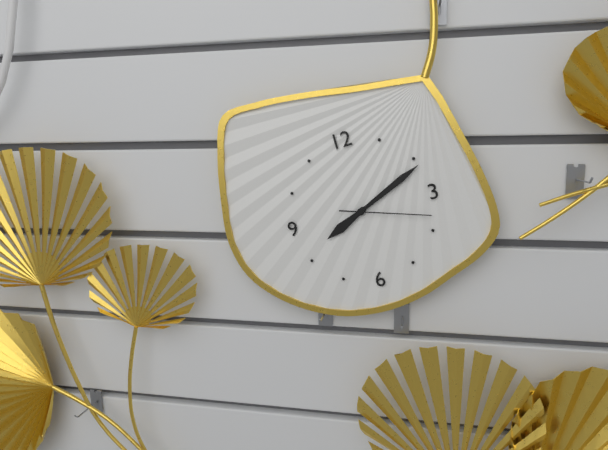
8:11:18
